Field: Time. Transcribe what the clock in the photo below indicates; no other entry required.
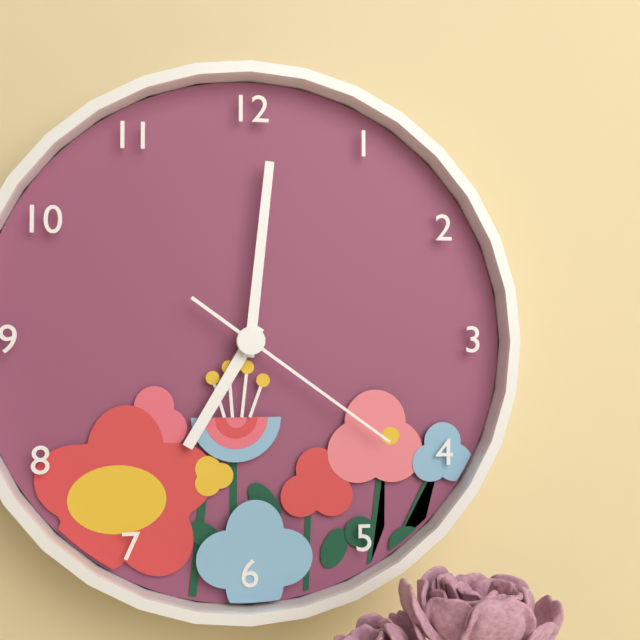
7:01:21
